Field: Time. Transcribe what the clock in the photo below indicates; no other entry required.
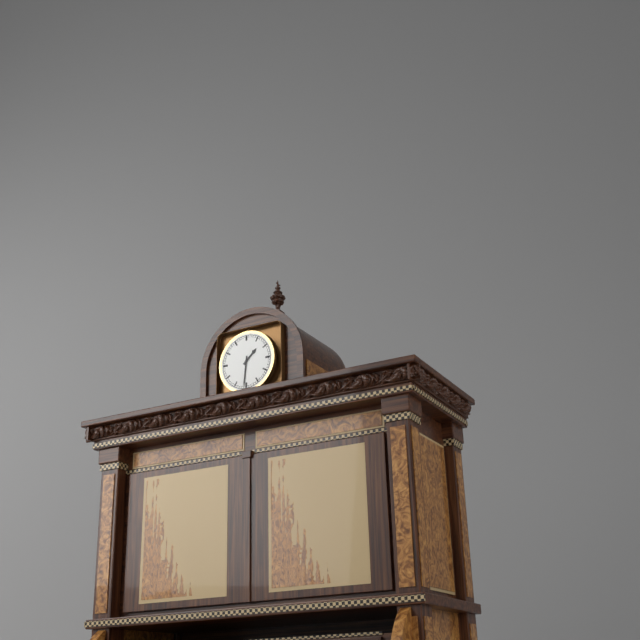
1:31
